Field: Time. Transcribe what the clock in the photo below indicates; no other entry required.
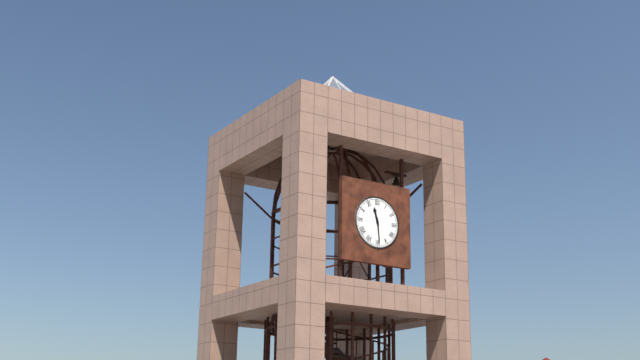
11:29
